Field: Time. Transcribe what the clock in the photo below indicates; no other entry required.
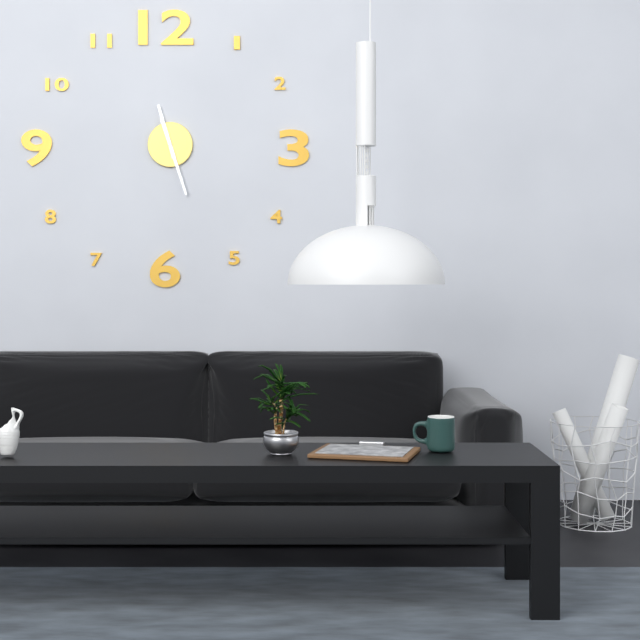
11:27
